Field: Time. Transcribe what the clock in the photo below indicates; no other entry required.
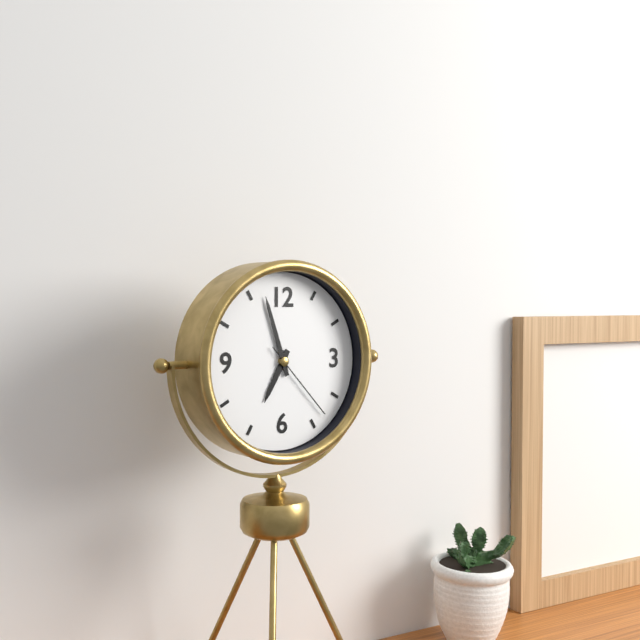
6:57:23
